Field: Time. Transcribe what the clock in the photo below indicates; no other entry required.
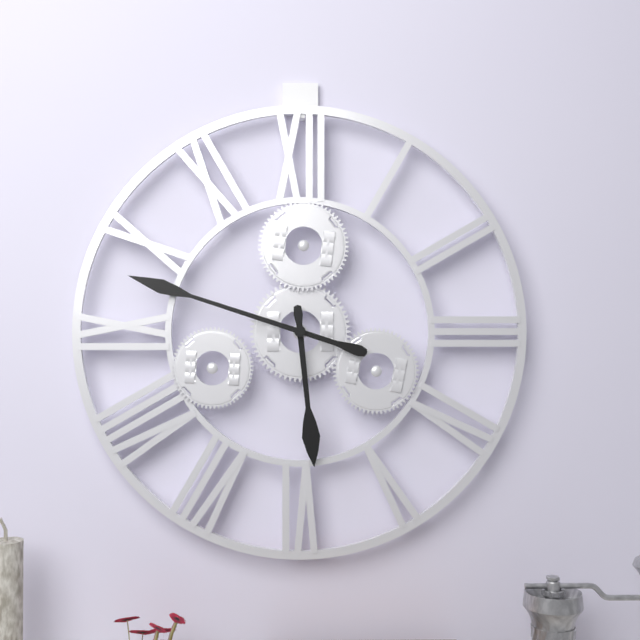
5:48
